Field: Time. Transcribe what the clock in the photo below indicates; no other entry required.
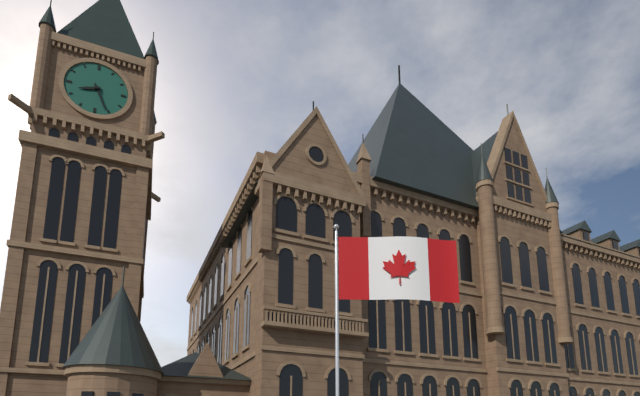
8:26
